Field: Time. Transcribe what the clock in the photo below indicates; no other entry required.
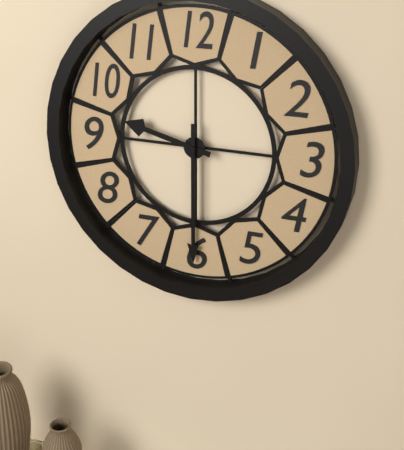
9:30
